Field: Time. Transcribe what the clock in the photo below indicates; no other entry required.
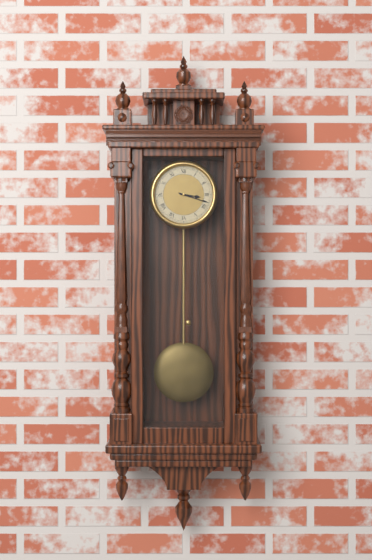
3:18
